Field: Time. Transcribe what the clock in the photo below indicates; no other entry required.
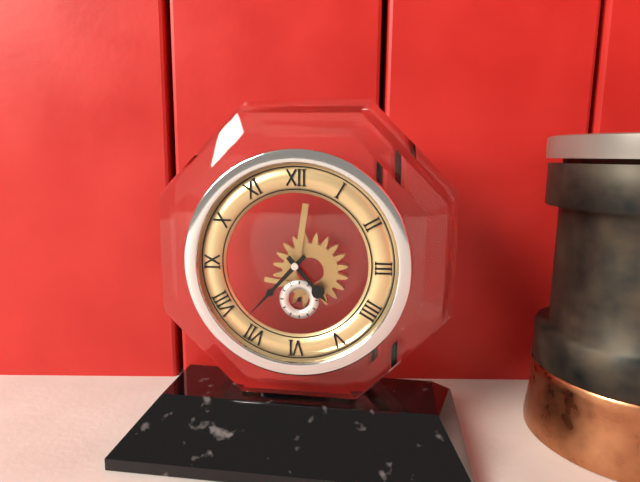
4:37
